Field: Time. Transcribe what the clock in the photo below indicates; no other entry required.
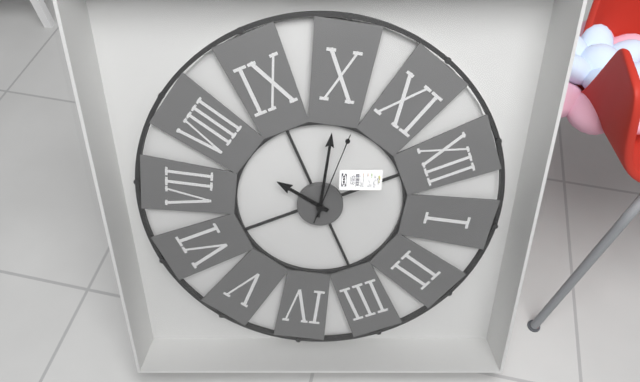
7:50:52
